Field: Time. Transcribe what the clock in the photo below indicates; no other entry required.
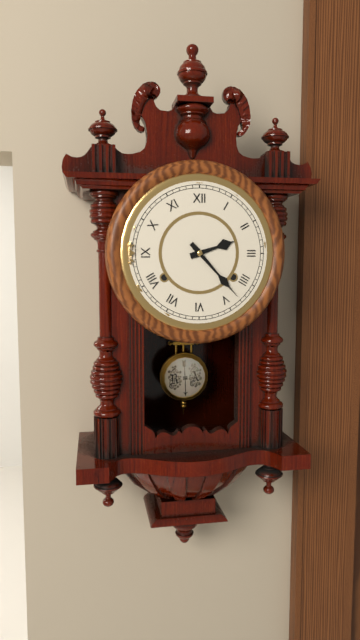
2:23
